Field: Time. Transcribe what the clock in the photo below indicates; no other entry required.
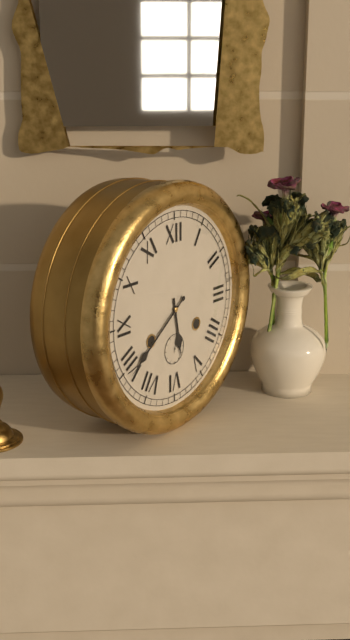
5:39
